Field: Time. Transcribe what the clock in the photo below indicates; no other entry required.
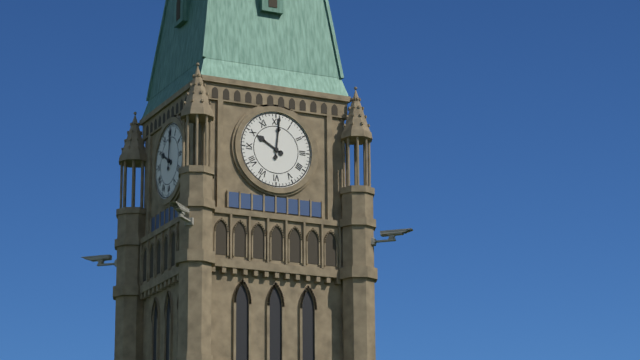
10:01
